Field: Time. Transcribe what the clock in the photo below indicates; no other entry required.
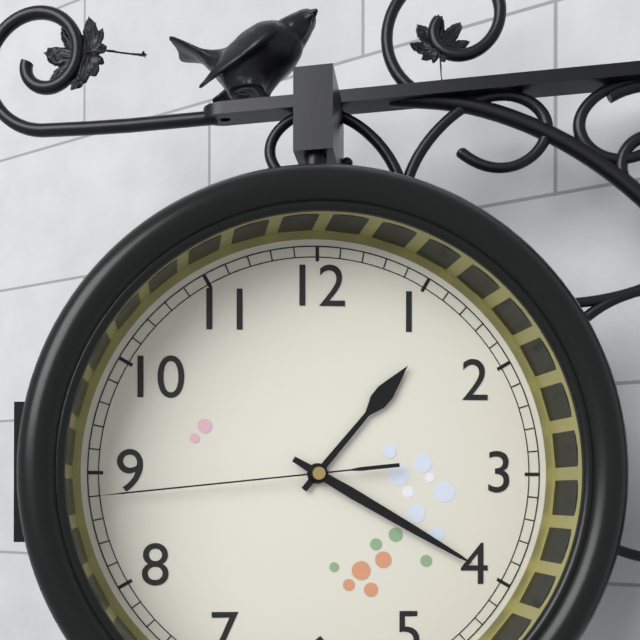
1:20:44
